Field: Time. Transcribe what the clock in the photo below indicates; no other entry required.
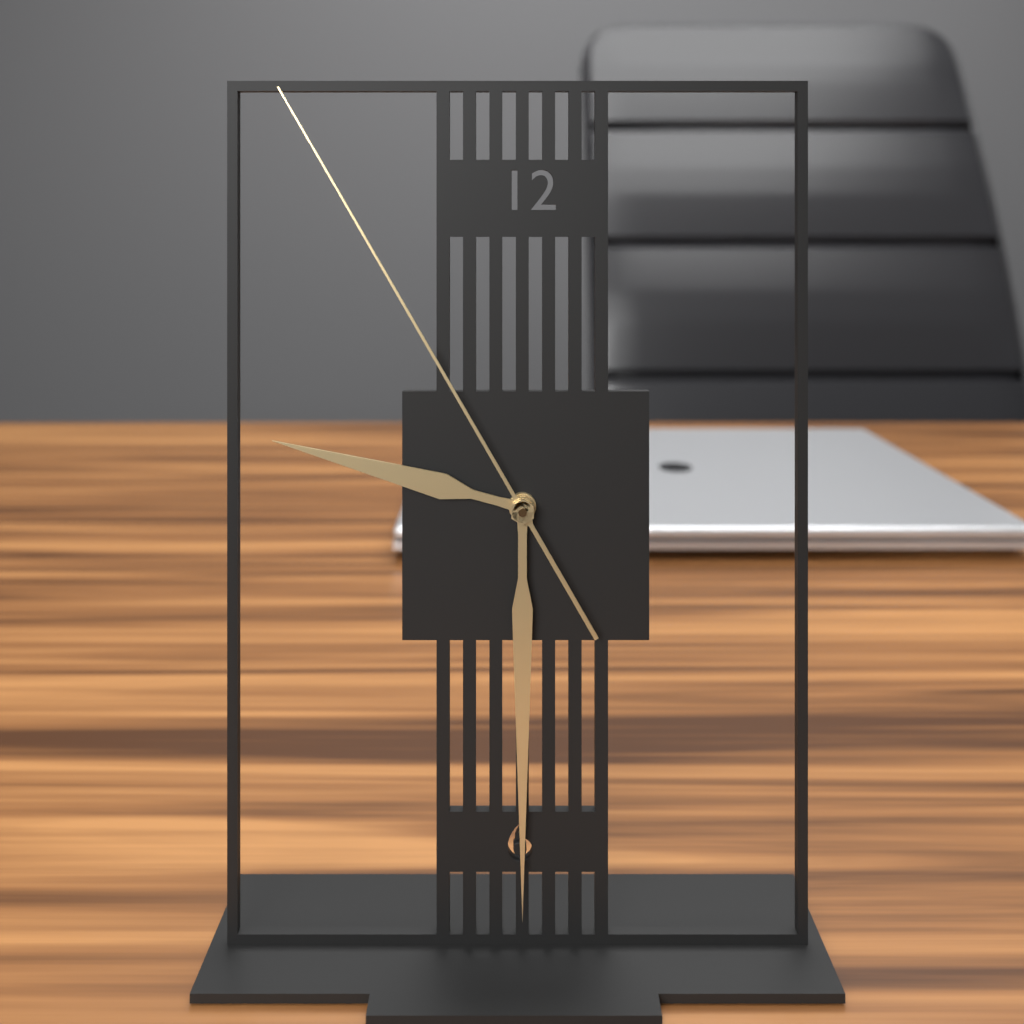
9:30:55
